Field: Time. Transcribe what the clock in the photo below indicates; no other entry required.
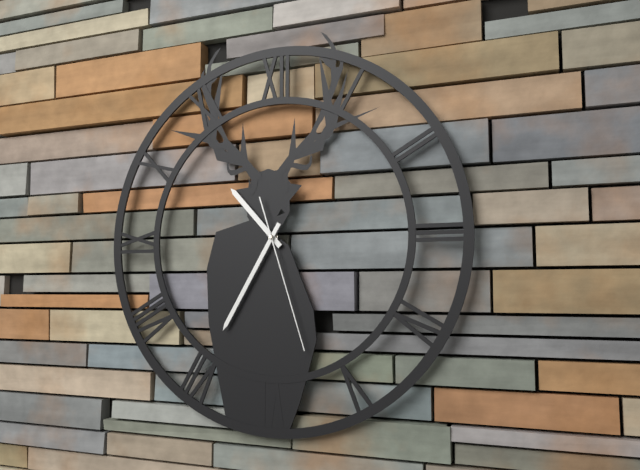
10:35:27
